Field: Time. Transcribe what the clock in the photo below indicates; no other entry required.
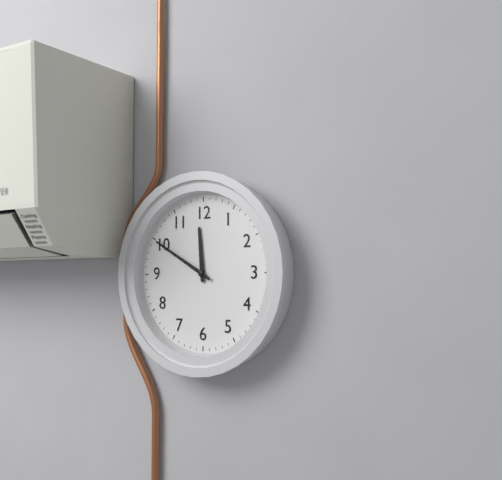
11:50
